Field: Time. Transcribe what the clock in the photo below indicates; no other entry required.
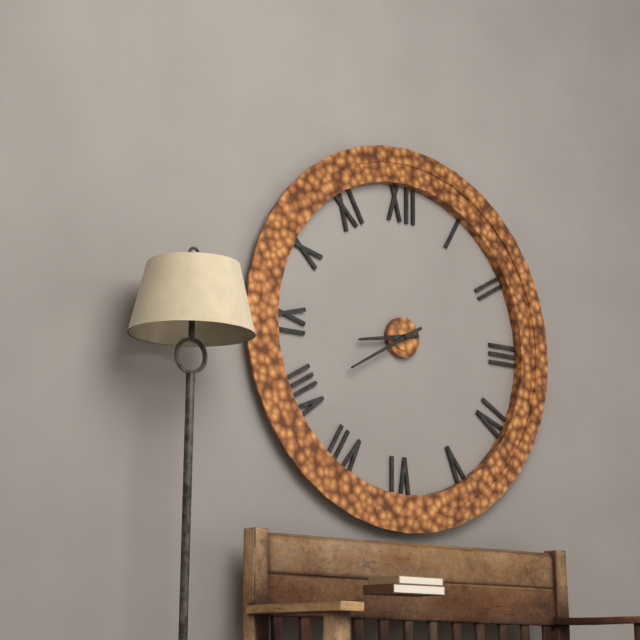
8:40
